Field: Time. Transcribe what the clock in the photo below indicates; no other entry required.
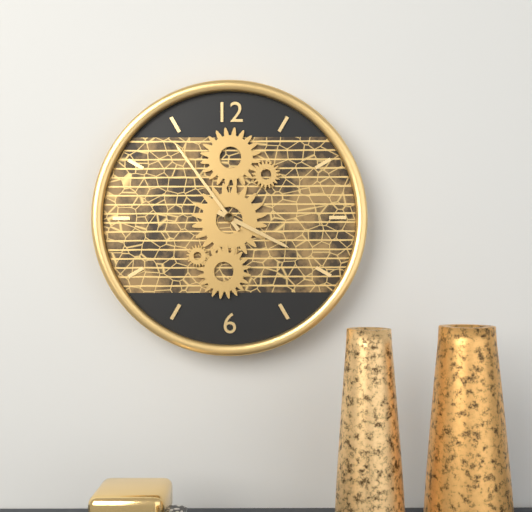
3:54
